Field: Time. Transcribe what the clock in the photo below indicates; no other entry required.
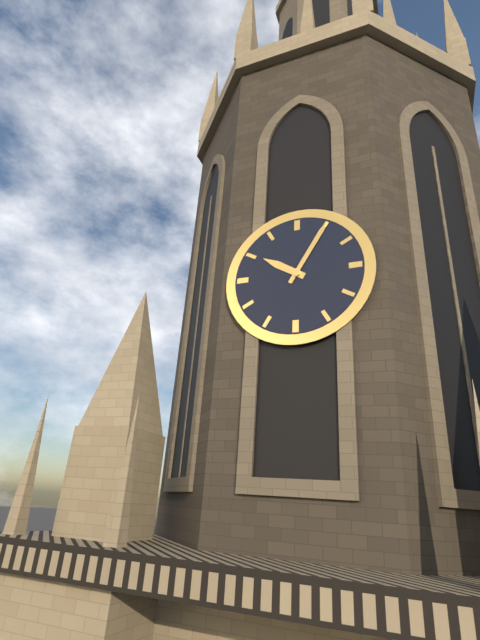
10:05
